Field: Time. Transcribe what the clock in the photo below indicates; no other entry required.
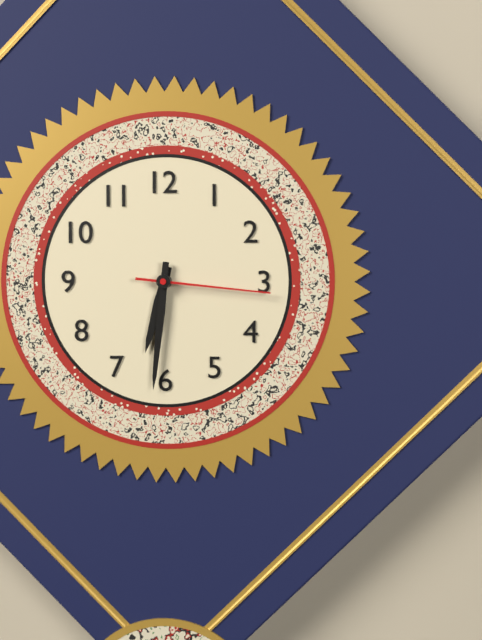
6:31:16
